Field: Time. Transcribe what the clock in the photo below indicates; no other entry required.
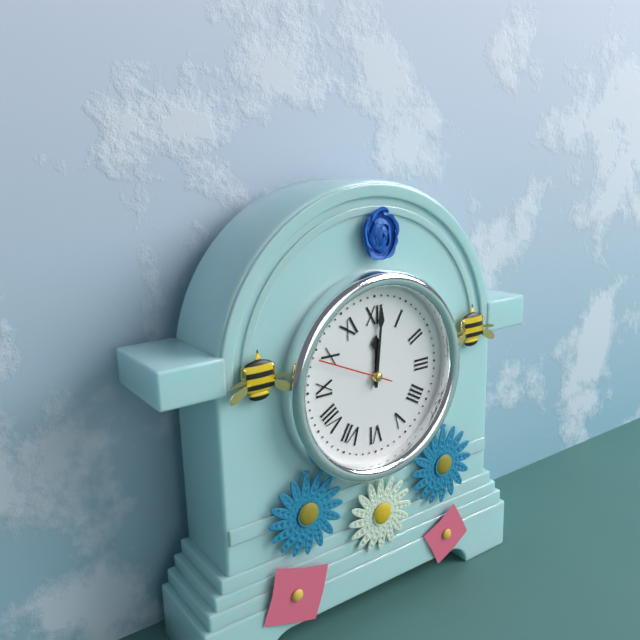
12:01:49
